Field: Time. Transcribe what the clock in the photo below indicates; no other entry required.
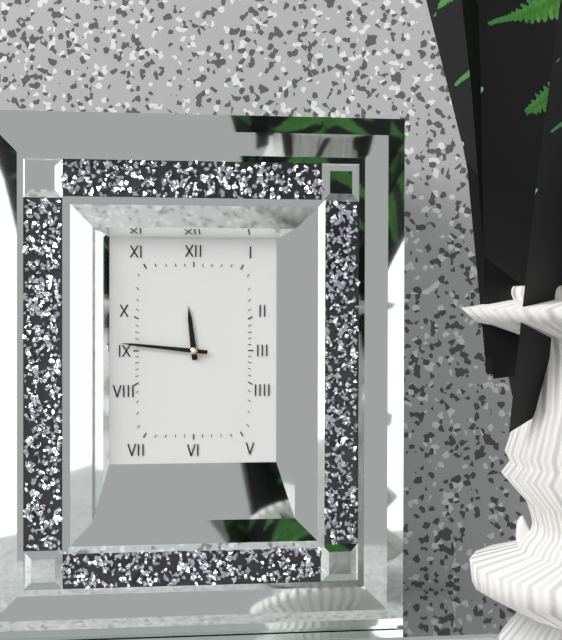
11:46
